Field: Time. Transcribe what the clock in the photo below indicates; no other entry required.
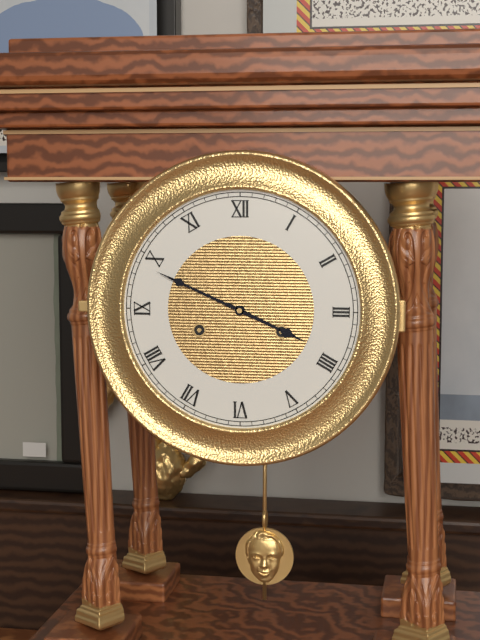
3:49
